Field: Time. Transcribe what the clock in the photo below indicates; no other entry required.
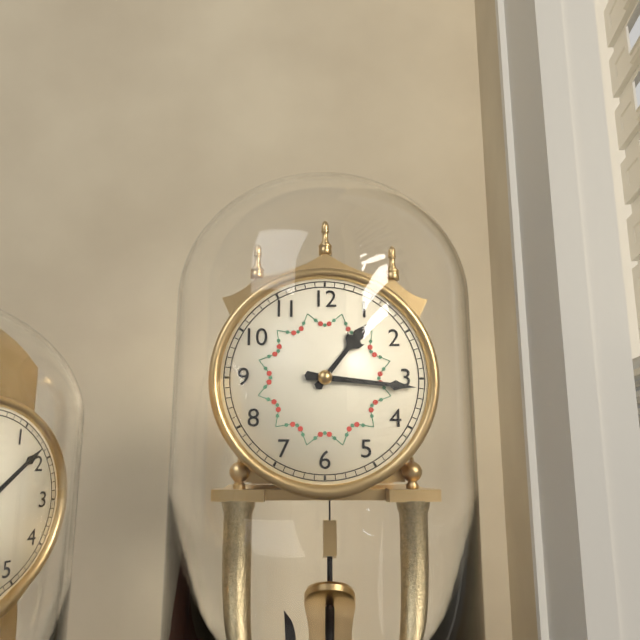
1:16
